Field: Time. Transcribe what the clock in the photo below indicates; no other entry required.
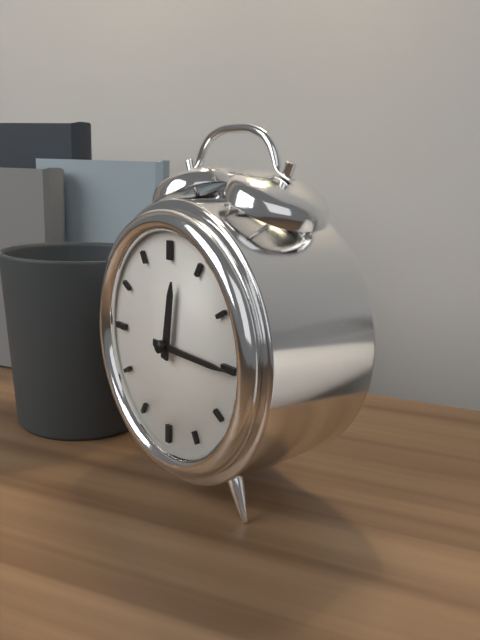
12:15
